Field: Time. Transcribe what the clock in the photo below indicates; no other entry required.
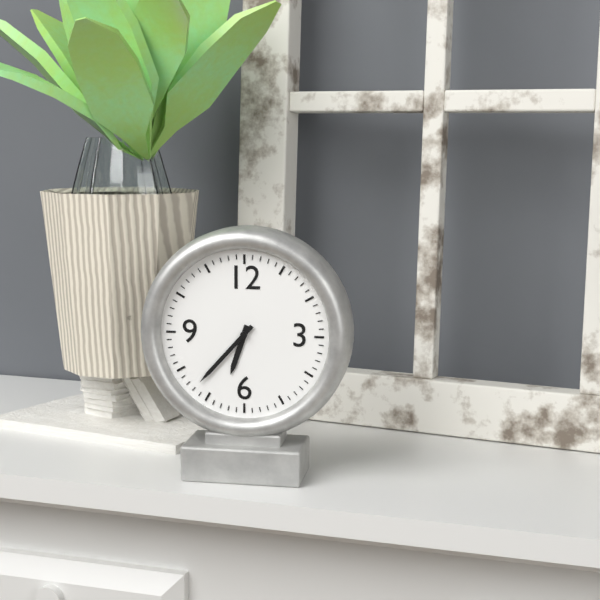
6:37
